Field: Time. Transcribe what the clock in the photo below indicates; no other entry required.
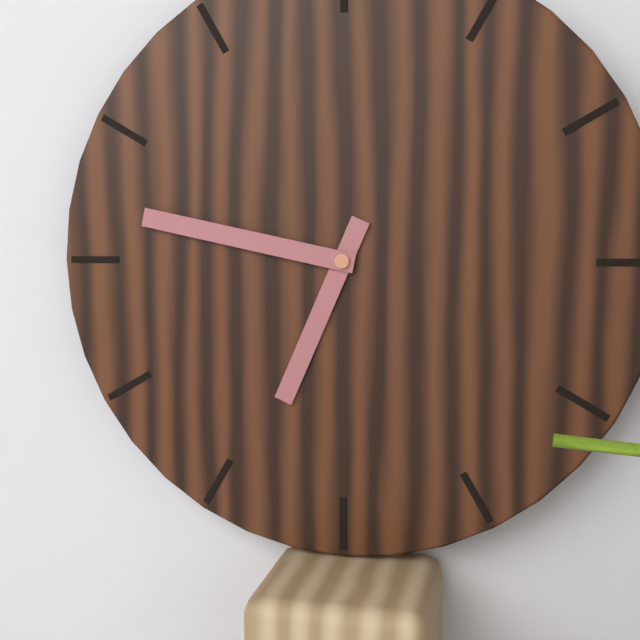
6:47
